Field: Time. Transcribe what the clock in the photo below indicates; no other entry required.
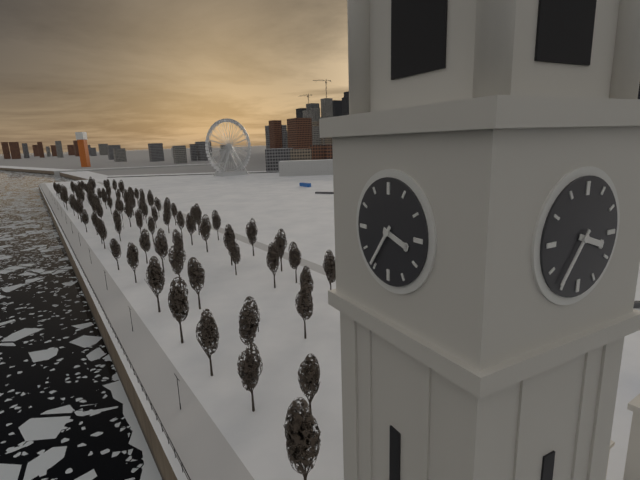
3:36
